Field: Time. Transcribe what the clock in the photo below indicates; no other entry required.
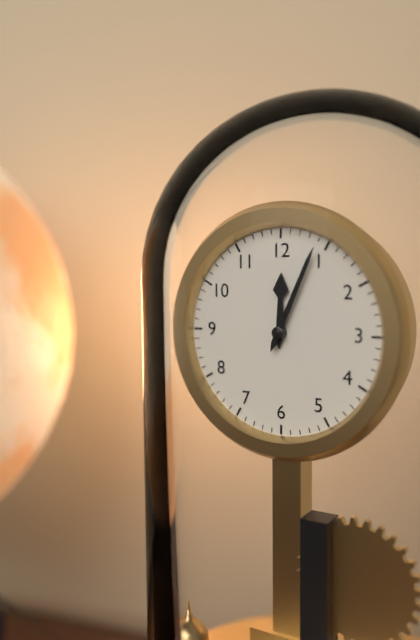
12:04
